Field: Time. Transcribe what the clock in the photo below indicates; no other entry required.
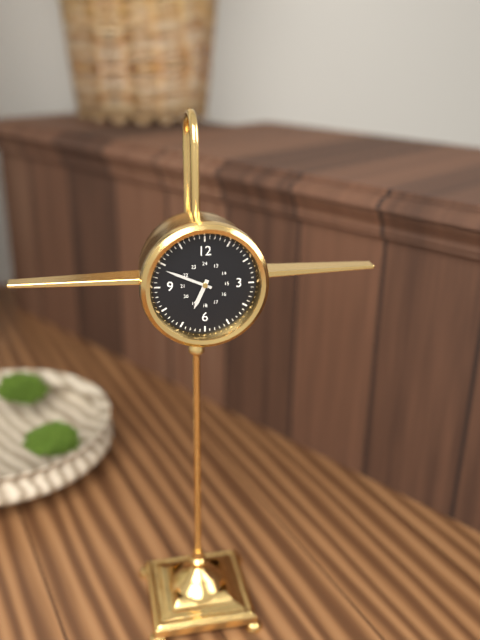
6:49
